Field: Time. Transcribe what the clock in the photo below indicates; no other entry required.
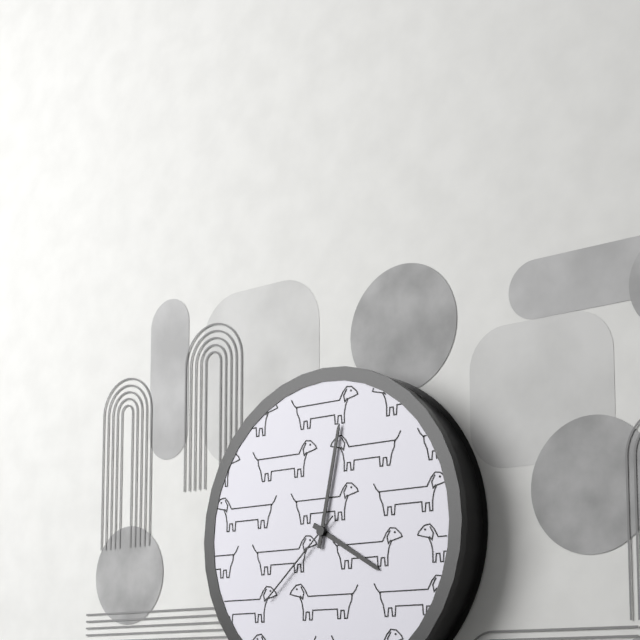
4:02:38
